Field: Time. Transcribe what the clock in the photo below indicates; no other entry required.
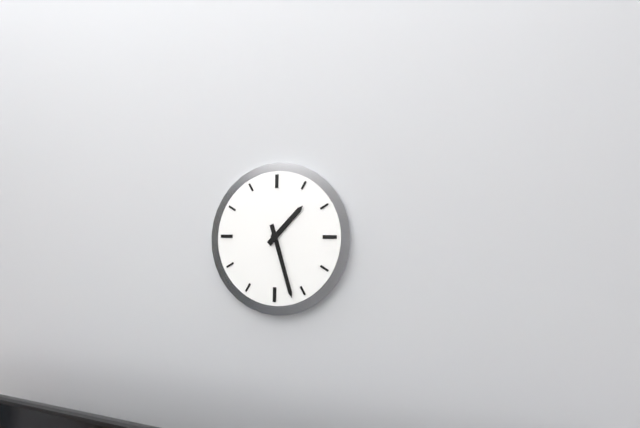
1:27
